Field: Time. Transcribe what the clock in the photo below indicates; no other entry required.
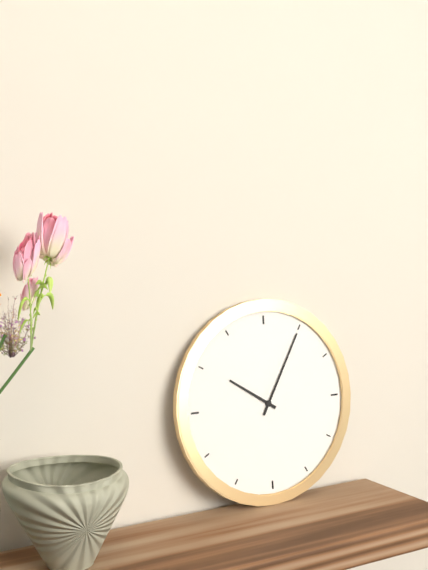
10:05
